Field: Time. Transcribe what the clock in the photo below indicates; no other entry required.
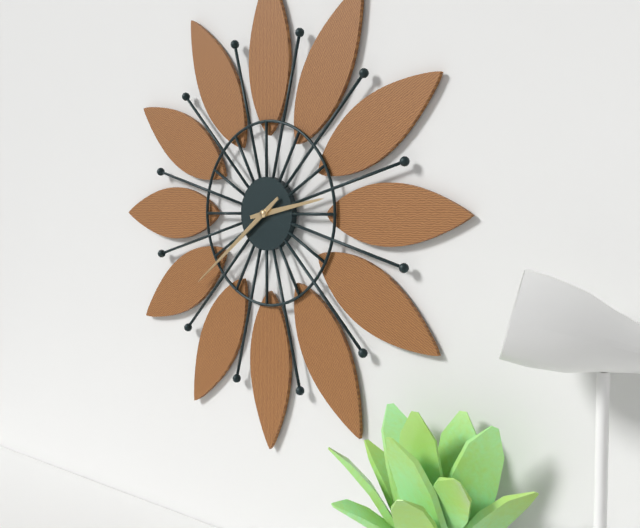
2:39
